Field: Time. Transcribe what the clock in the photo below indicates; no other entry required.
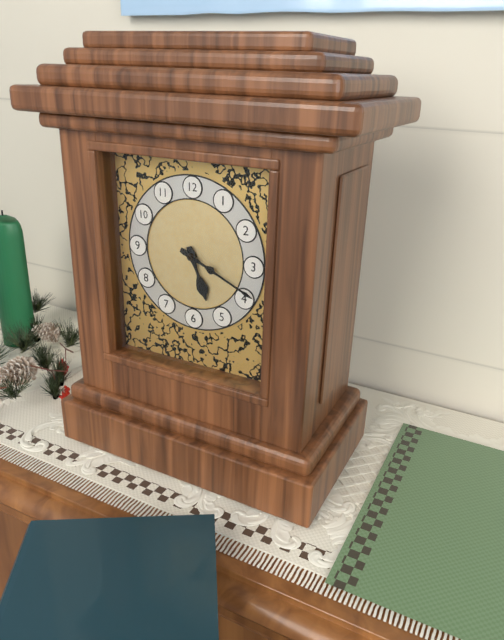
5:19
